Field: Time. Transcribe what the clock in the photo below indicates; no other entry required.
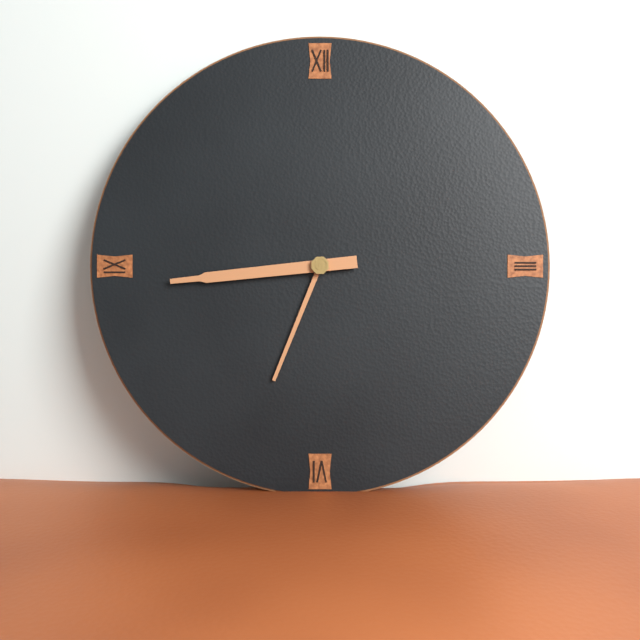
6:44
